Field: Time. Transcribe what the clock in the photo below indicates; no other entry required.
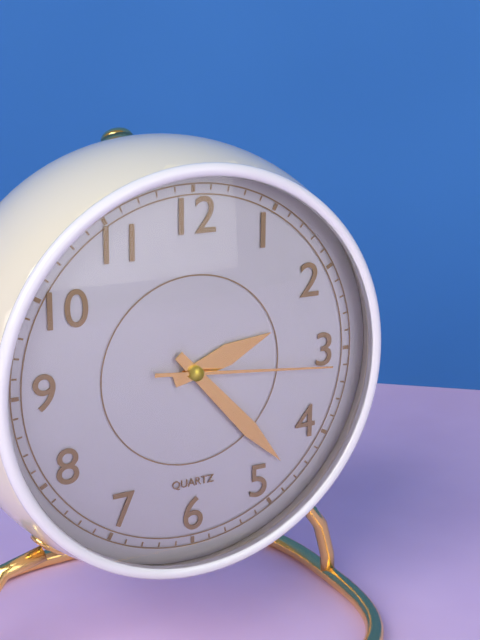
2:23:16
